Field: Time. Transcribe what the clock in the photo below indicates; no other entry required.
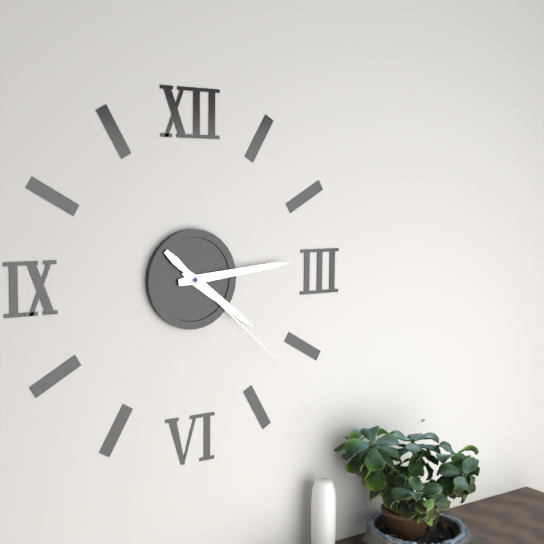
4:14:22
